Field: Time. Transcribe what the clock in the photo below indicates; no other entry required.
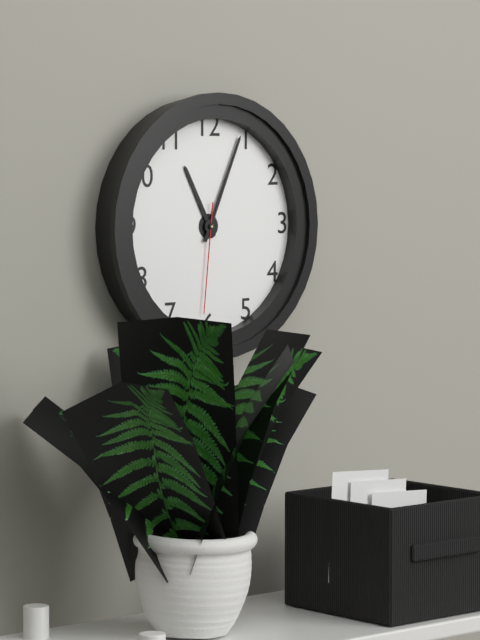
11:04:31
